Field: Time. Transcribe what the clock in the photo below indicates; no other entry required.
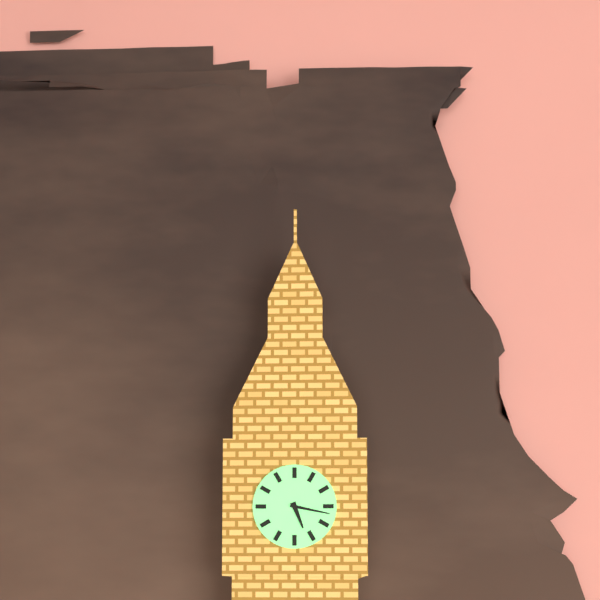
5:17
